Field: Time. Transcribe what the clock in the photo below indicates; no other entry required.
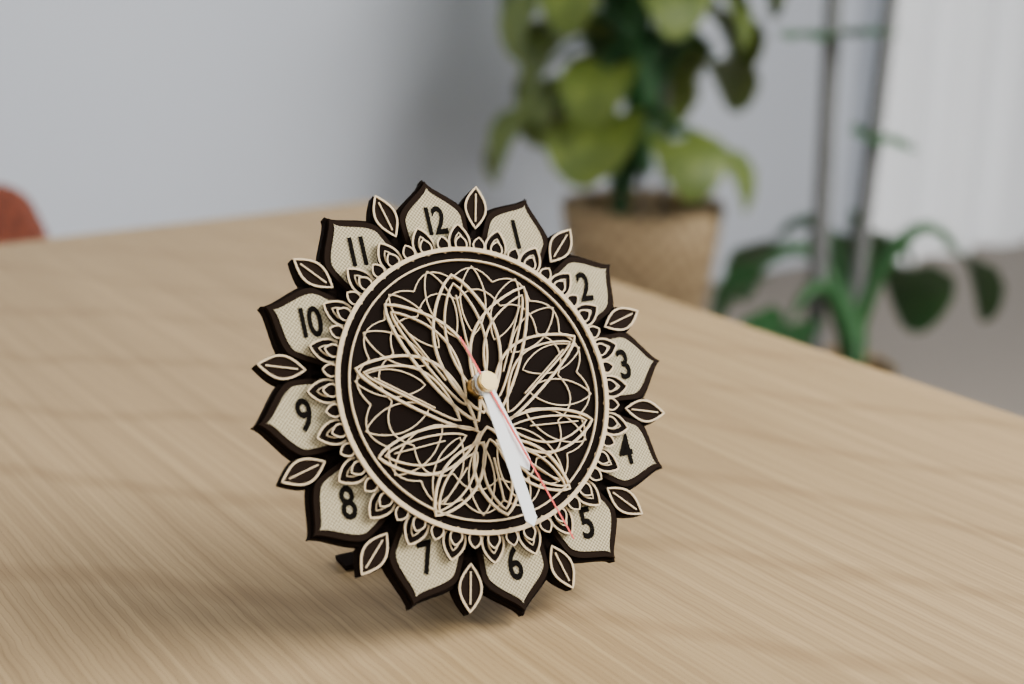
5:29:27
